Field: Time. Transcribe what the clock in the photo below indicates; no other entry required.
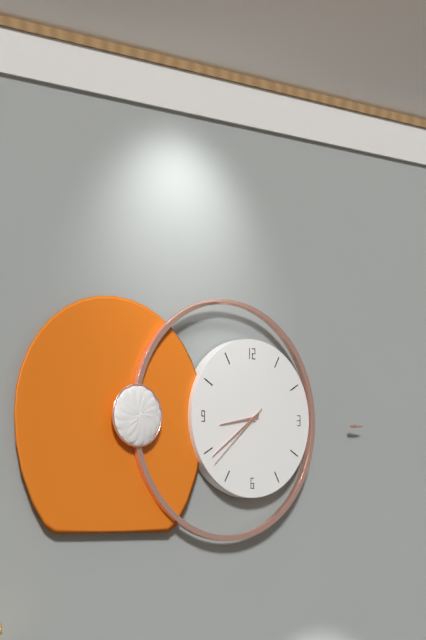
8:39:38
